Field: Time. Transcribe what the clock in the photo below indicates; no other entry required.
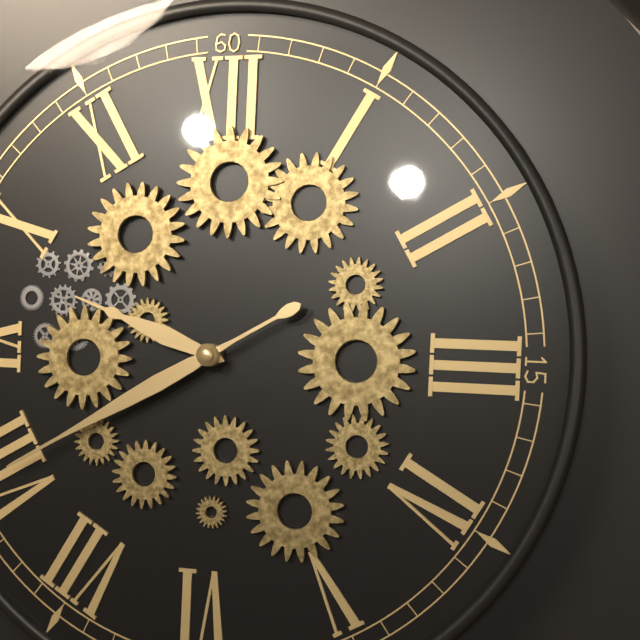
9:40
